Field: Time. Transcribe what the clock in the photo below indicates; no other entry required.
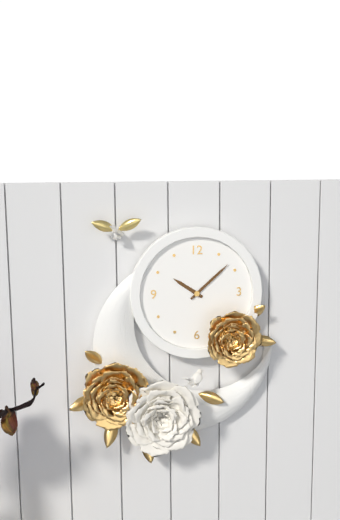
10:08
